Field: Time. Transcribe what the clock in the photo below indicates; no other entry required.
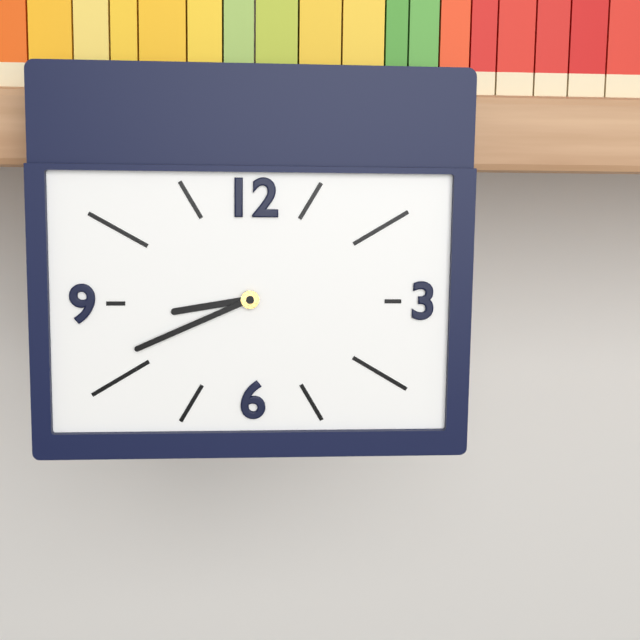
8:41
